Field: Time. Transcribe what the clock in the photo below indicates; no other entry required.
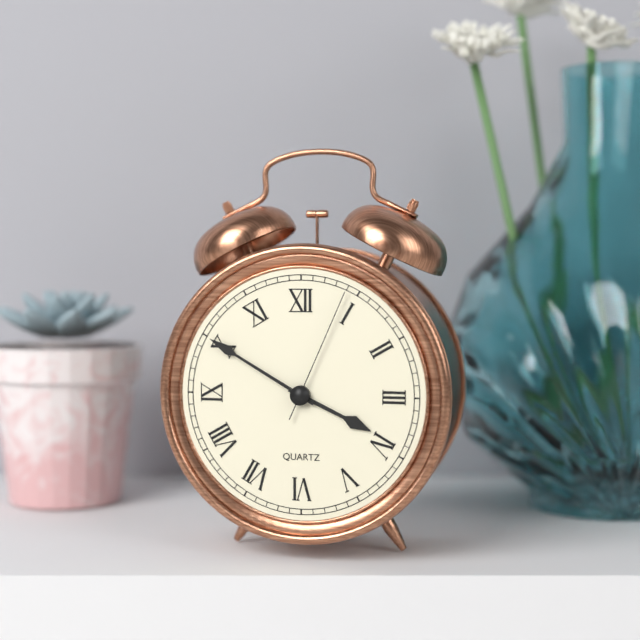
3:50:04
